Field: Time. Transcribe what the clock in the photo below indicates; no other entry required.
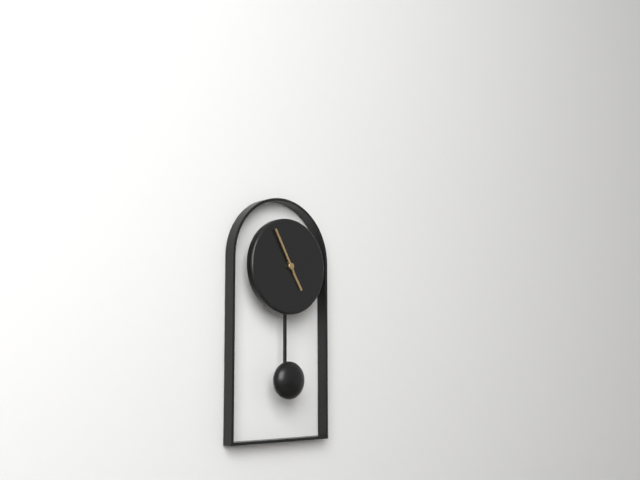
4:55
